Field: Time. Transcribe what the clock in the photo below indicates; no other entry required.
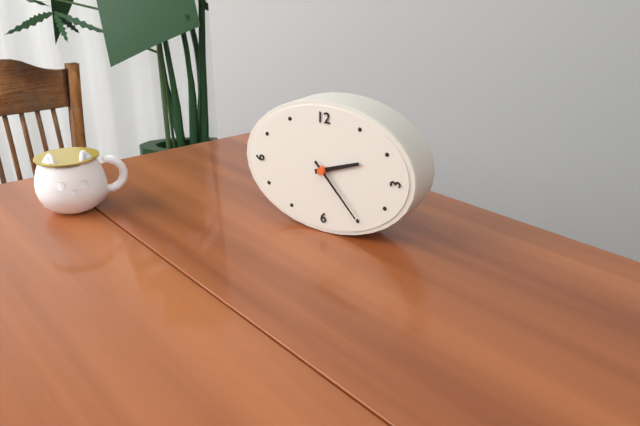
2:23
